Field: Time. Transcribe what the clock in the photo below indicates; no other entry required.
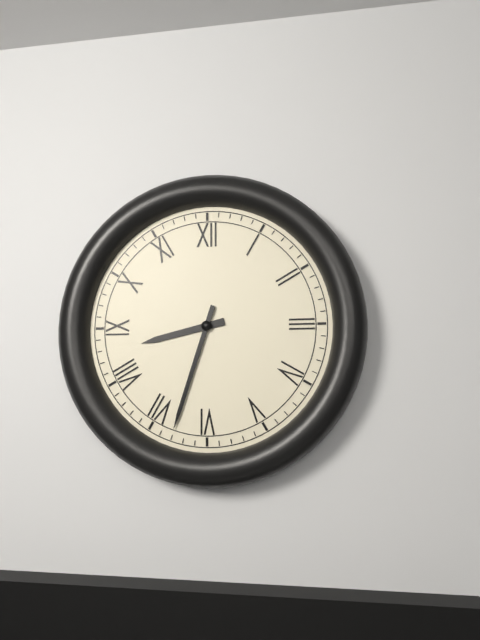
8:33
